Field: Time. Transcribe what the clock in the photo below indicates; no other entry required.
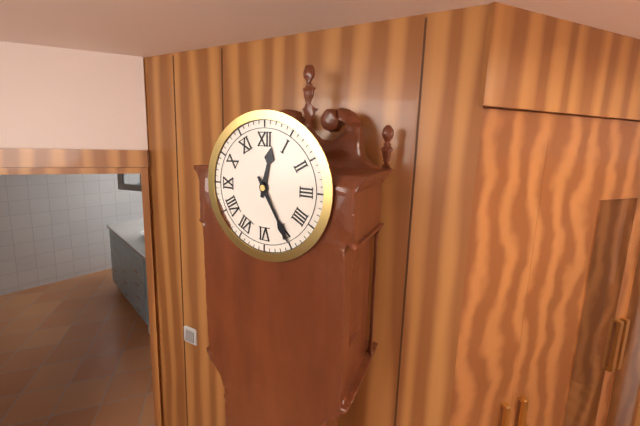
12:25
